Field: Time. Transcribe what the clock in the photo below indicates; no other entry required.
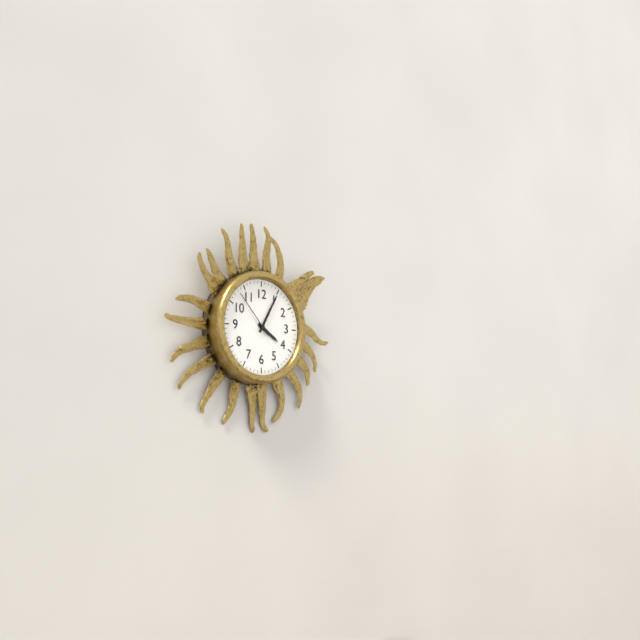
4:05:53
